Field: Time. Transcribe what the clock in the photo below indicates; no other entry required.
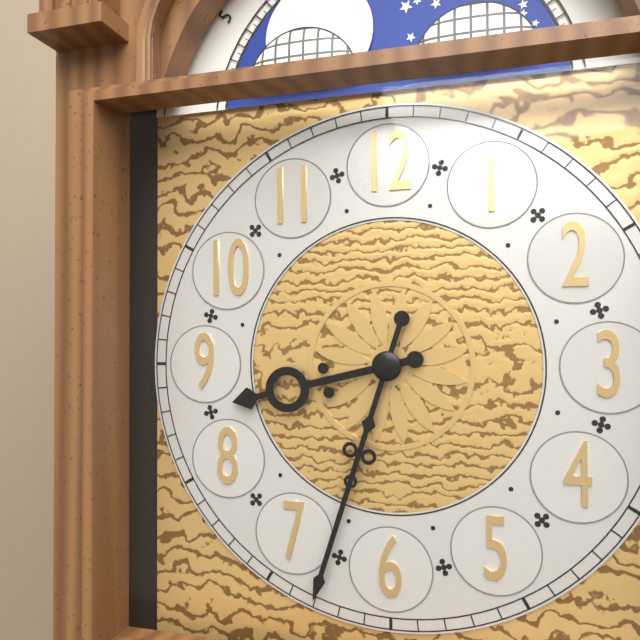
8:33
